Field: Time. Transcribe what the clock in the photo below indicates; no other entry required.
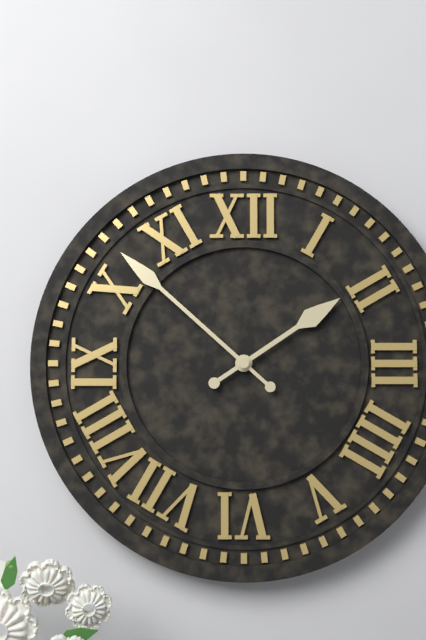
1:52
